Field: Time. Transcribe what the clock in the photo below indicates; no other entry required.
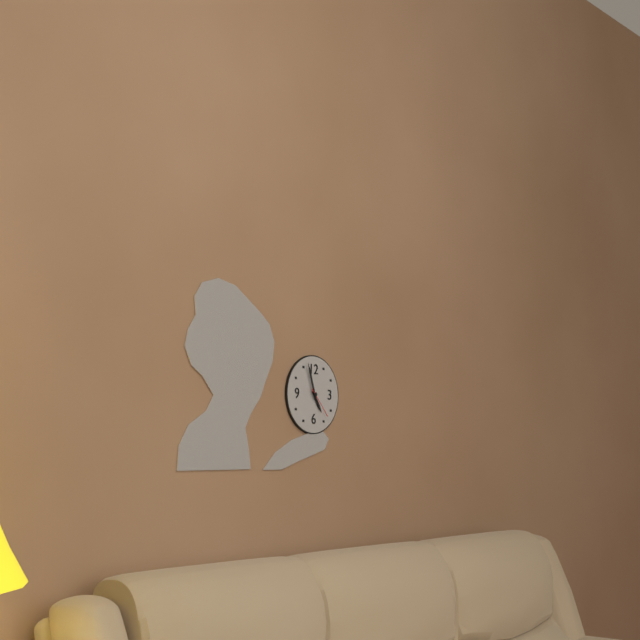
4:57
